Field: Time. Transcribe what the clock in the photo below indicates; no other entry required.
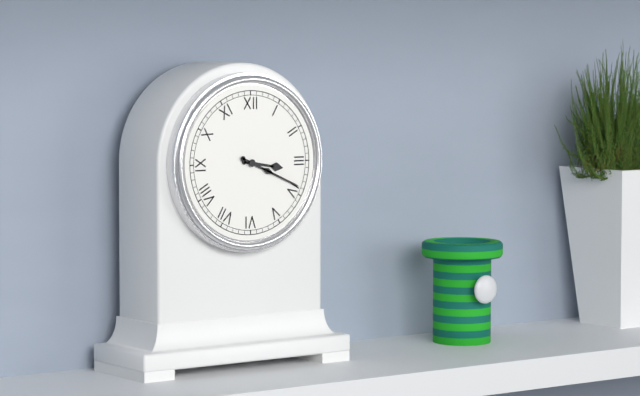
3:19
